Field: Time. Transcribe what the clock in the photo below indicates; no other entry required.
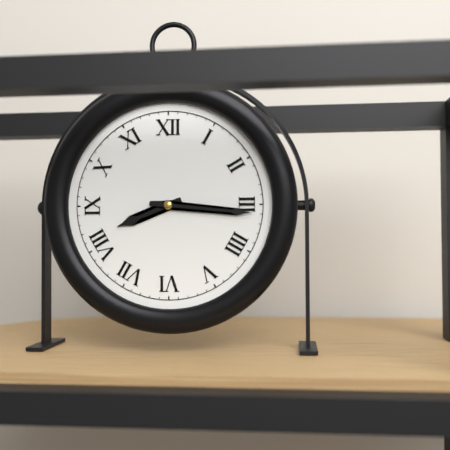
8:16
